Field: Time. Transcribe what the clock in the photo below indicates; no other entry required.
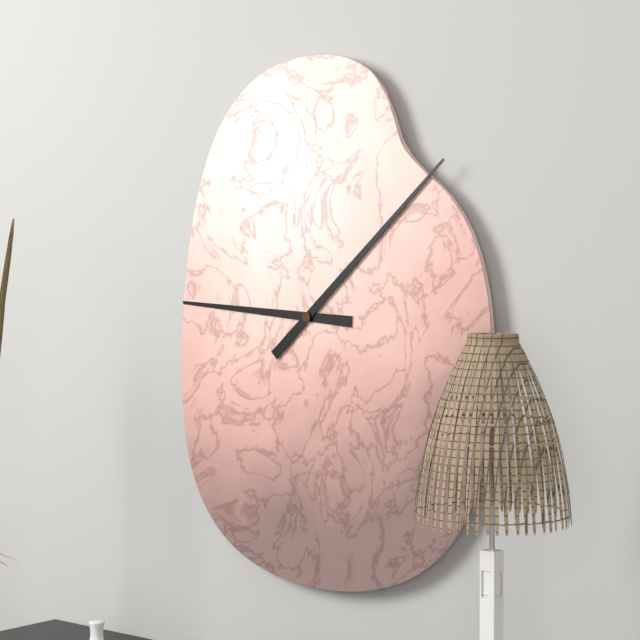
9:08
